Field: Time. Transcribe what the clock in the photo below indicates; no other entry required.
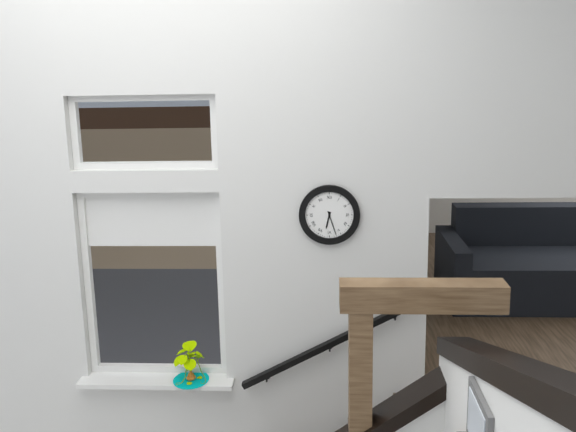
6:27
